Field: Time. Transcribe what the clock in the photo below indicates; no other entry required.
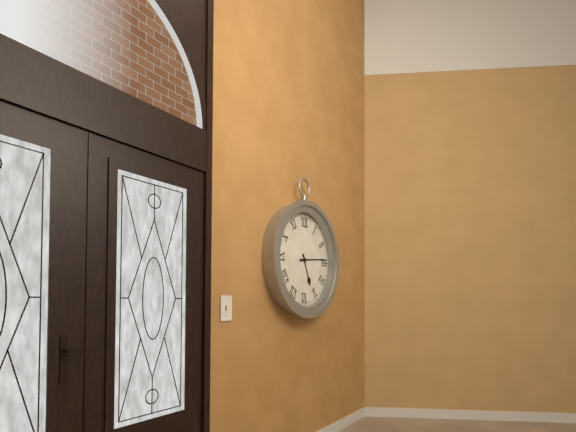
5:14
